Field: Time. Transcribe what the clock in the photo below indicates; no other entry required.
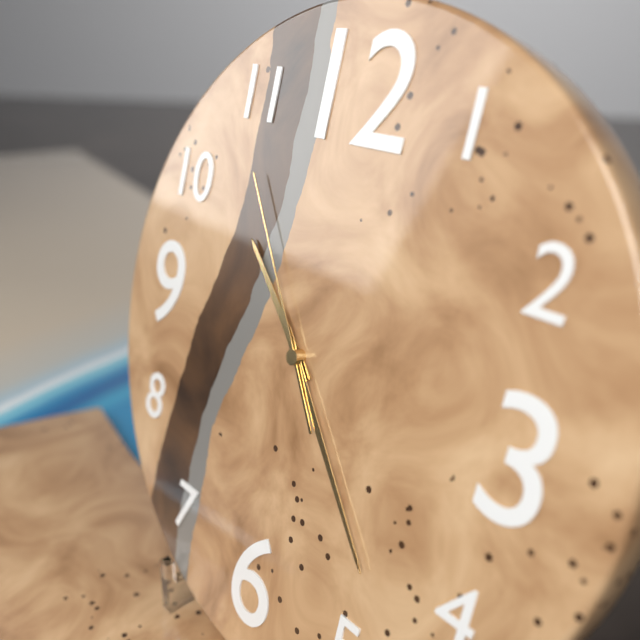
10:23:54
